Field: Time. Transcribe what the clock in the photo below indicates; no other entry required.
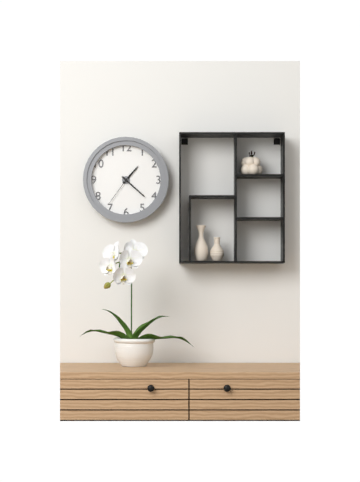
1:22
